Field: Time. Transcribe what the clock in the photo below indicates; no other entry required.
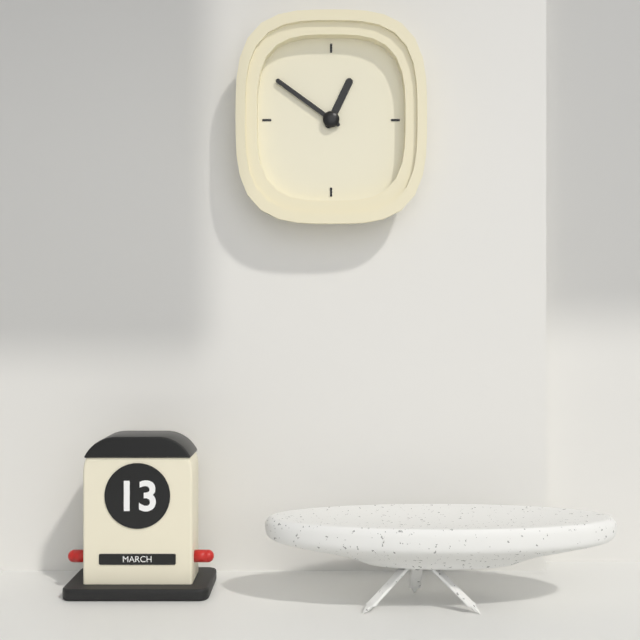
12:51
